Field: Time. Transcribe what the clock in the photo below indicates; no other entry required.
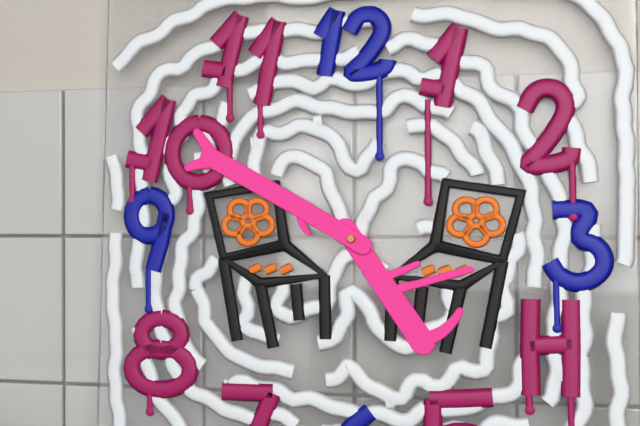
4:50
